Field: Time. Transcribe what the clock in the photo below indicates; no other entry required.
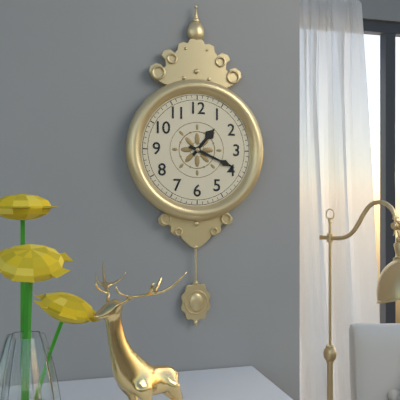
1:19
